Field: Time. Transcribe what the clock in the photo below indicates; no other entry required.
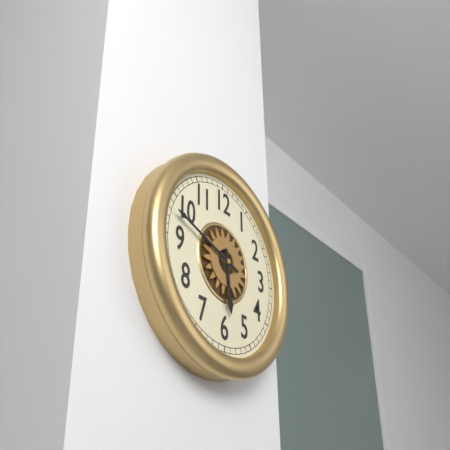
5:48
